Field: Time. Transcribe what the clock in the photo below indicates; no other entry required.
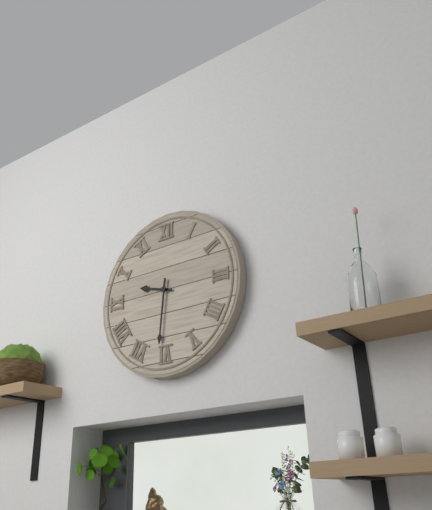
9:31
